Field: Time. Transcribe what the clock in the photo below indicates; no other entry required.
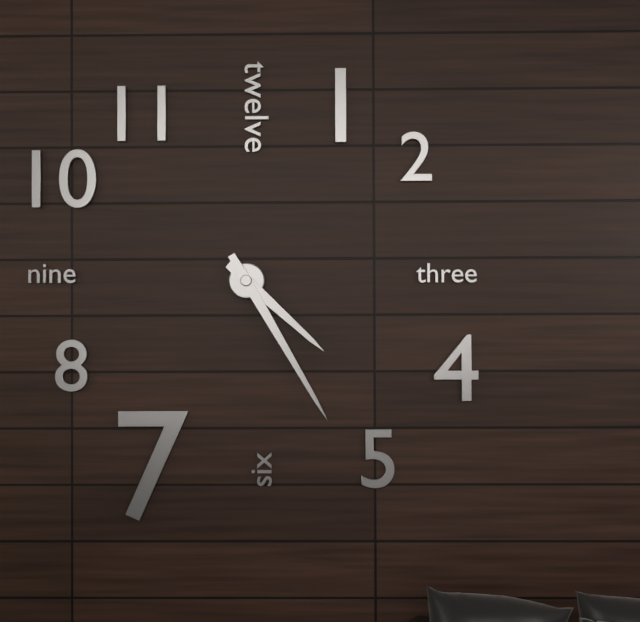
4:25
